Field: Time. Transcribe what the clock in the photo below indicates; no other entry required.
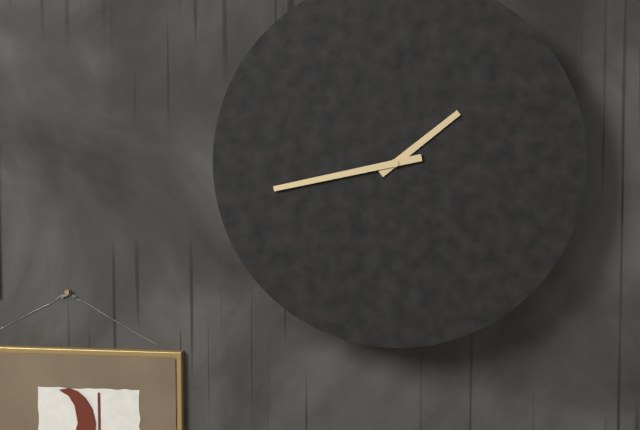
1:43
